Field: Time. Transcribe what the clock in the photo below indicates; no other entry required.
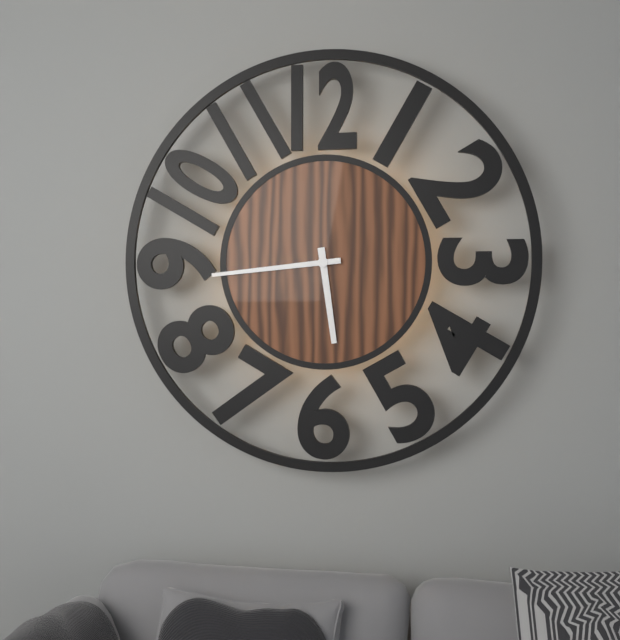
5:44
